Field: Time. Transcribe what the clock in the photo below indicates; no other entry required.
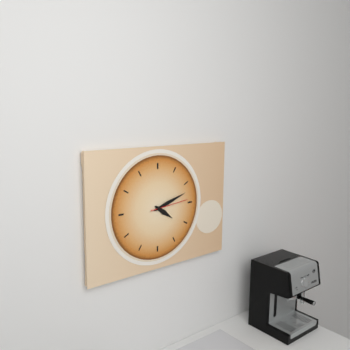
4:12
